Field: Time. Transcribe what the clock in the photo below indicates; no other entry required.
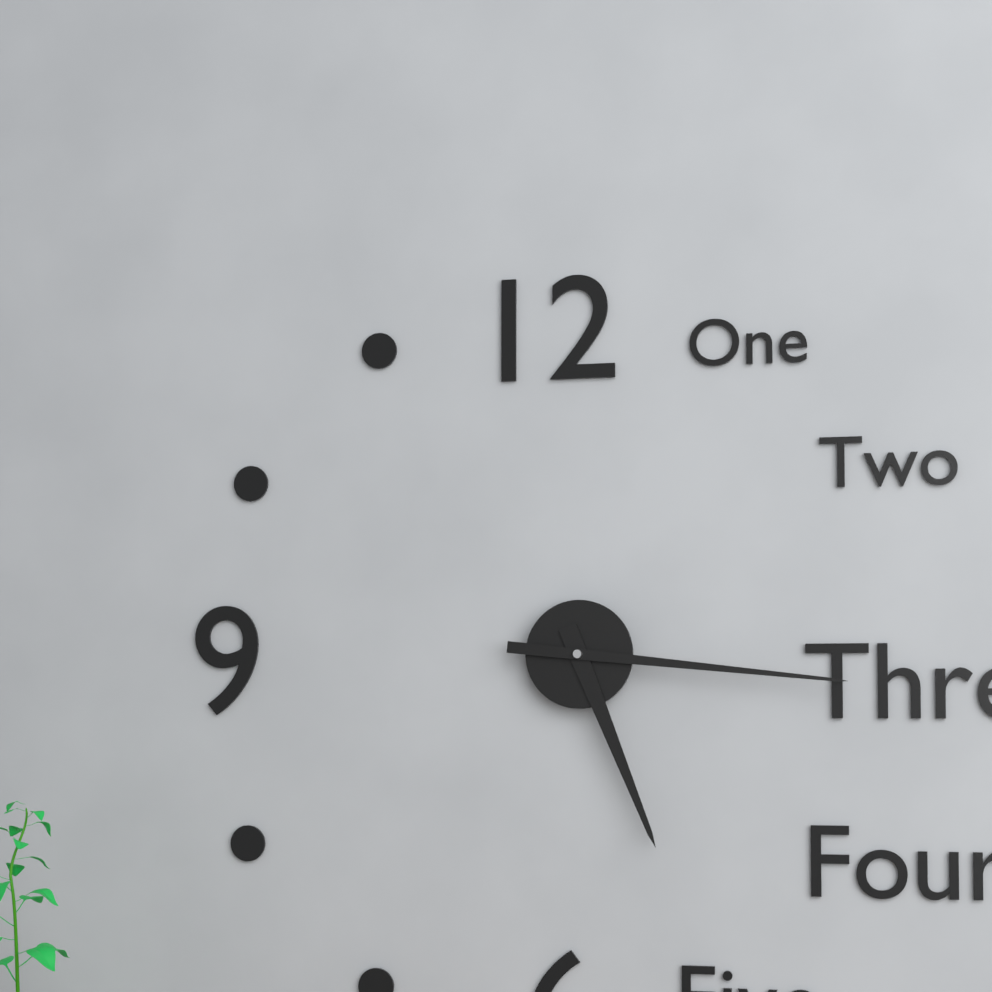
5:16
